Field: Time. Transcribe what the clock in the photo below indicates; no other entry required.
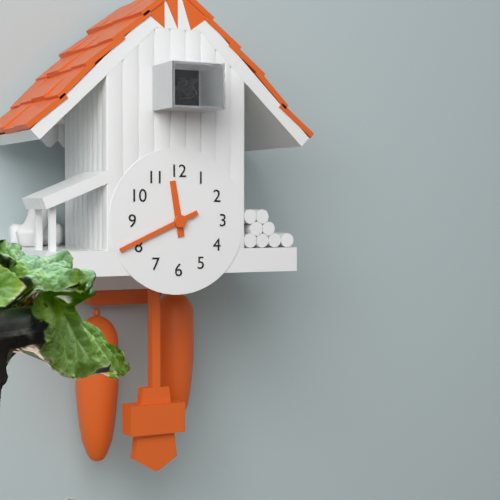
11:41
